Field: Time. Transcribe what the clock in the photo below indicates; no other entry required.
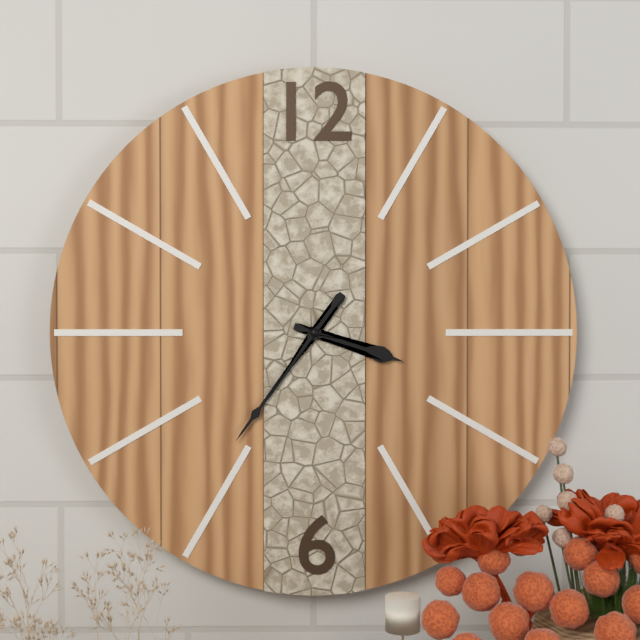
3:36
